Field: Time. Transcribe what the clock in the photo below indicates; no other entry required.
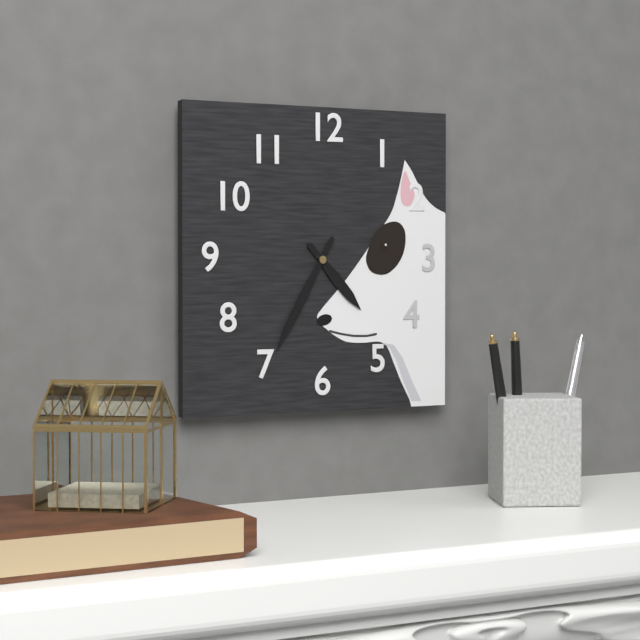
4:35
